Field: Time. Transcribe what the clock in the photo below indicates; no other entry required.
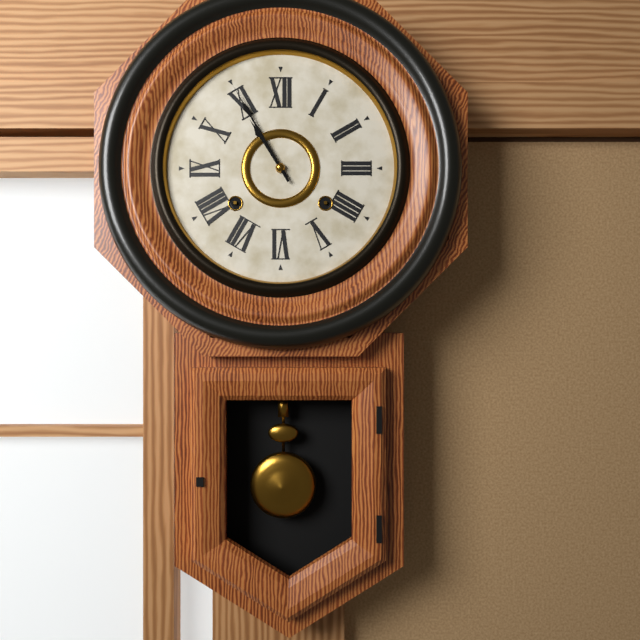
10:55
